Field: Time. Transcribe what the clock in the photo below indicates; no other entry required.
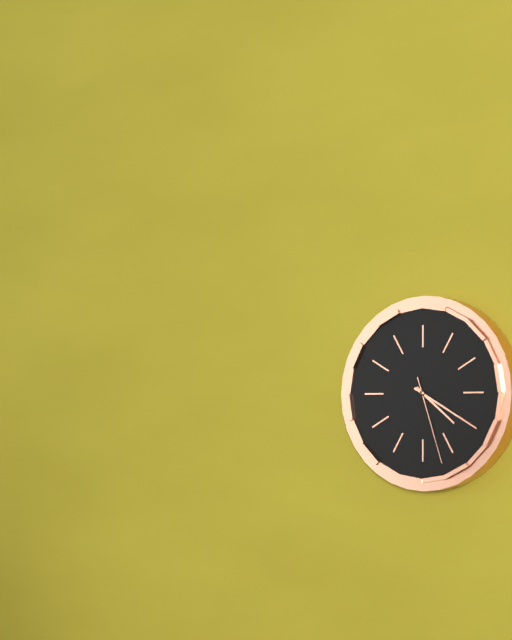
4:20:27
